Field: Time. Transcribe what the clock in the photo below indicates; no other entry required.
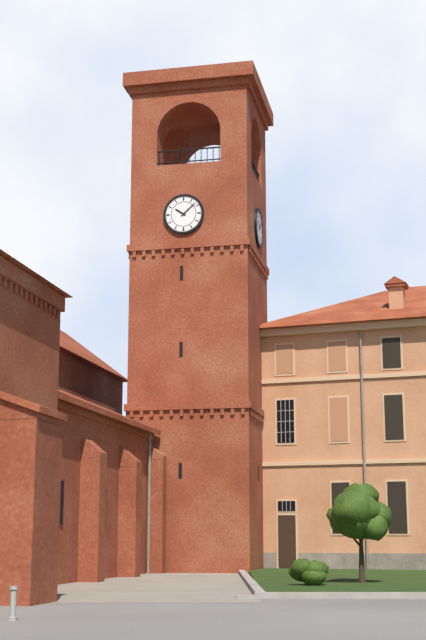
10:08
